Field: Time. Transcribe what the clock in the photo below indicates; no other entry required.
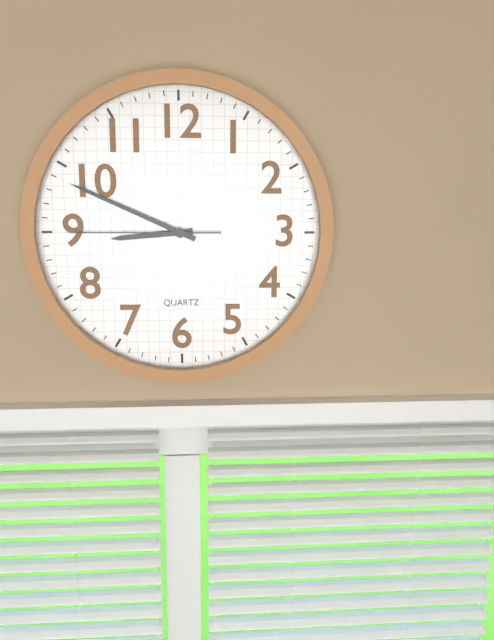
8:49:45
